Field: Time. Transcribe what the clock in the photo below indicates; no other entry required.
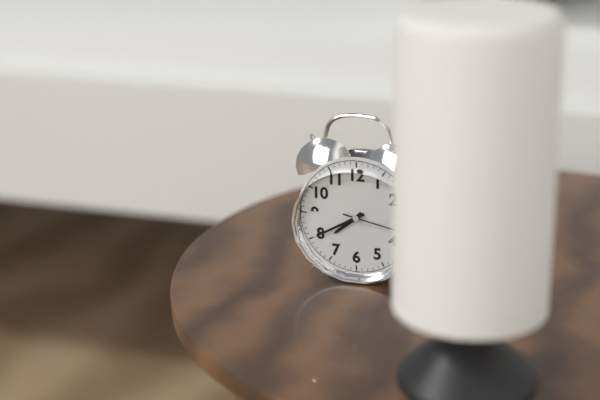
7:40:17
